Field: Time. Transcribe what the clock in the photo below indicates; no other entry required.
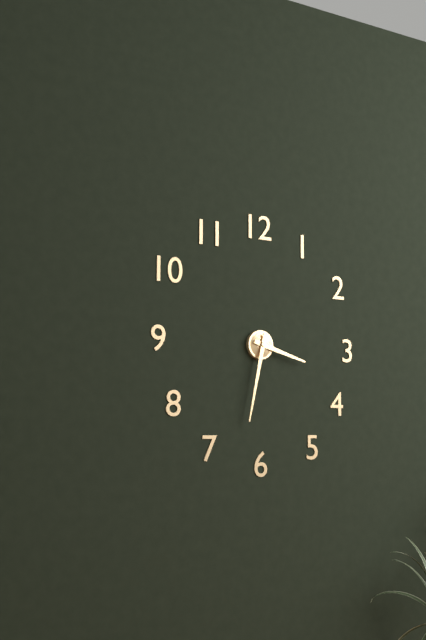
3:32
